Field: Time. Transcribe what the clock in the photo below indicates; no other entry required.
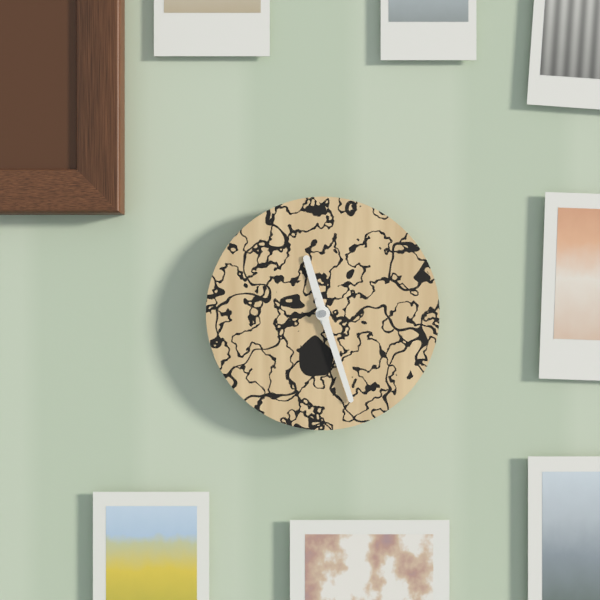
11:27
